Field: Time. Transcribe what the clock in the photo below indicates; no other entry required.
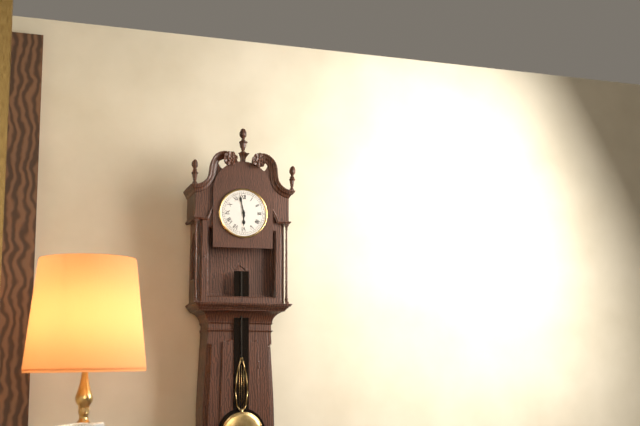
5:58
